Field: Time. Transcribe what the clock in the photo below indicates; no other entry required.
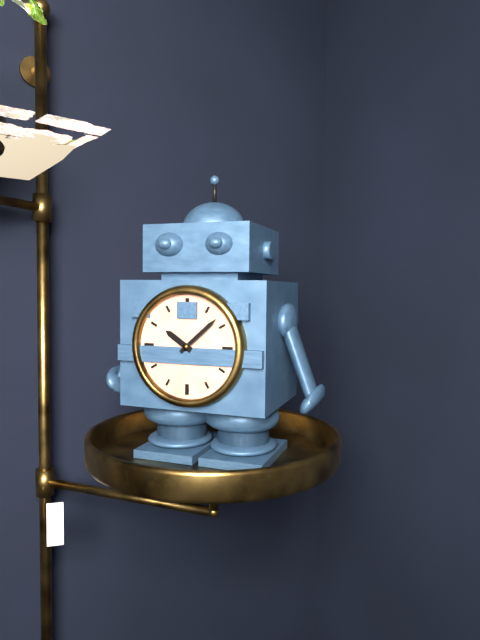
10:08
